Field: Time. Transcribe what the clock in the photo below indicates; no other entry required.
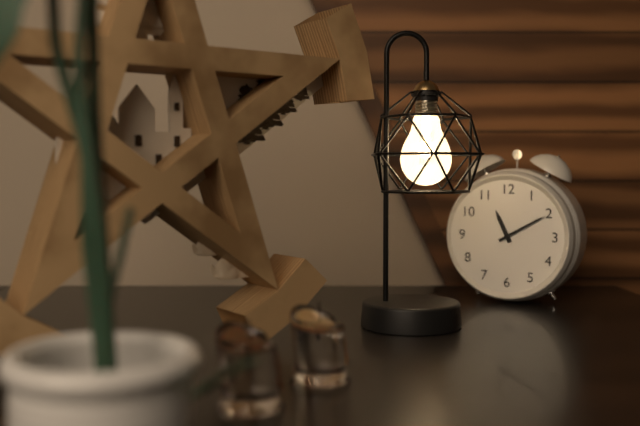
11:10
